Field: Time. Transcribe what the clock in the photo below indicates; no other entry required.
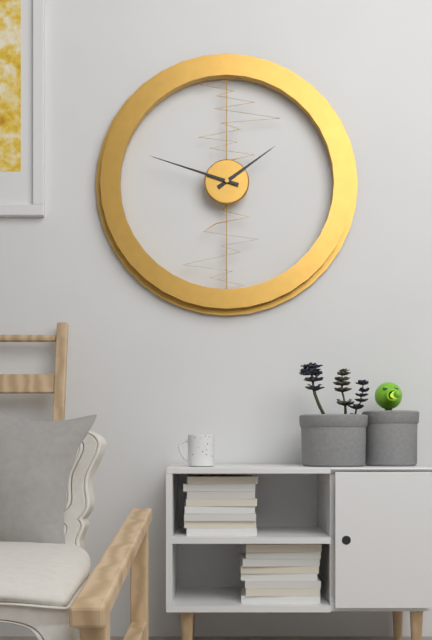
1:48
